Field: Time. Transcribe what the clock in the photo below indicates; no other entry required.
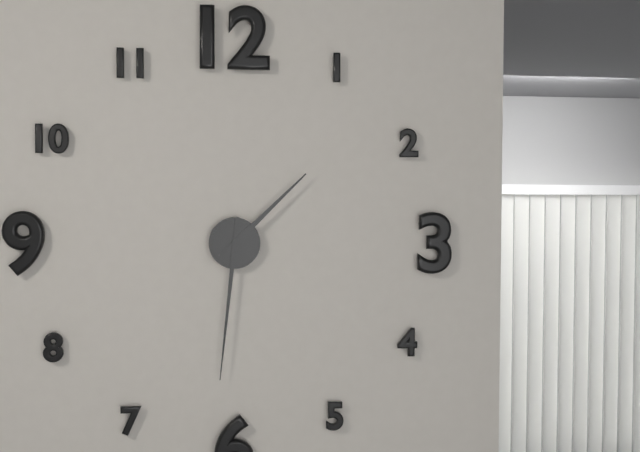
1:31
